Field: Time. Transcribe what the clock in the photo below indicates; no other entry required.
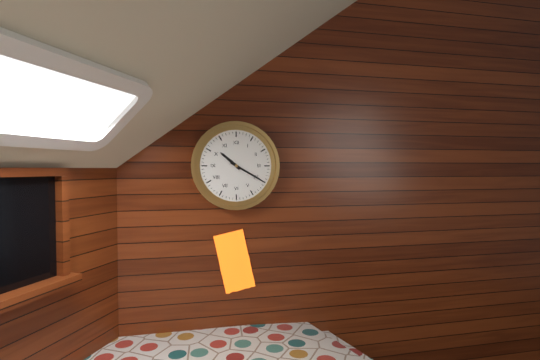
10:20
